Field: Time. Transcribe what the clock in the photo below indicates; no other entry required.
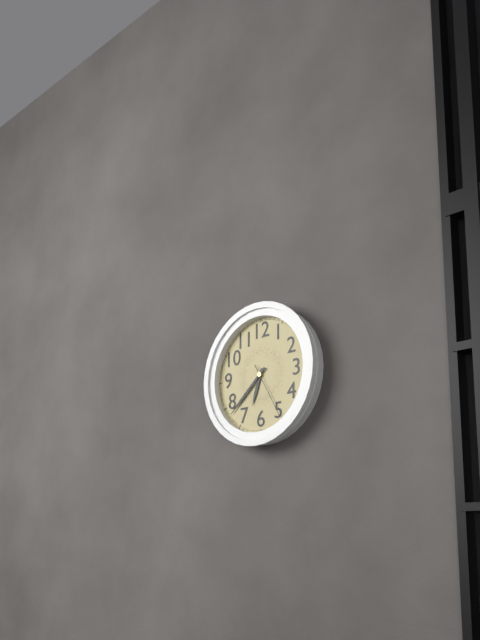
6:38:25
